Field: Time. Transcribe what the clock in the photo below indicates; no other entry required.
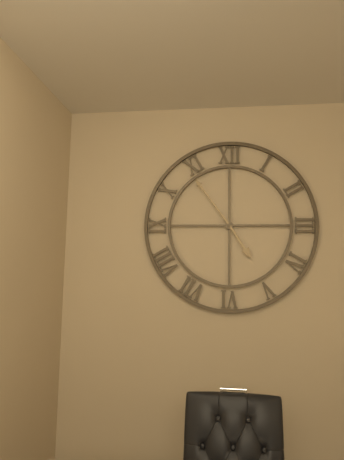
4:54
